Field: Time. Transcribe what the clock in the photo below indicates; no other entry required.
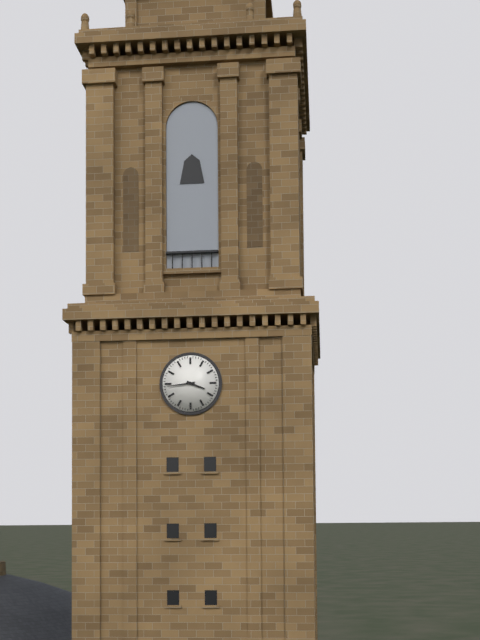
3:44
